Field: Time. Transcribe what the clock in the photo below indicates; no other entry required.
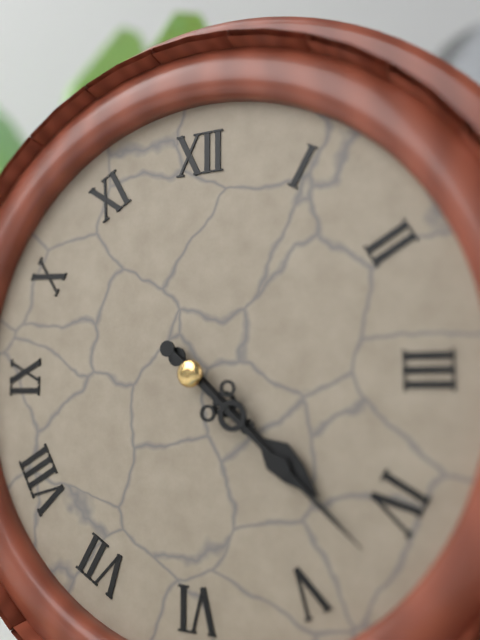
4:22
